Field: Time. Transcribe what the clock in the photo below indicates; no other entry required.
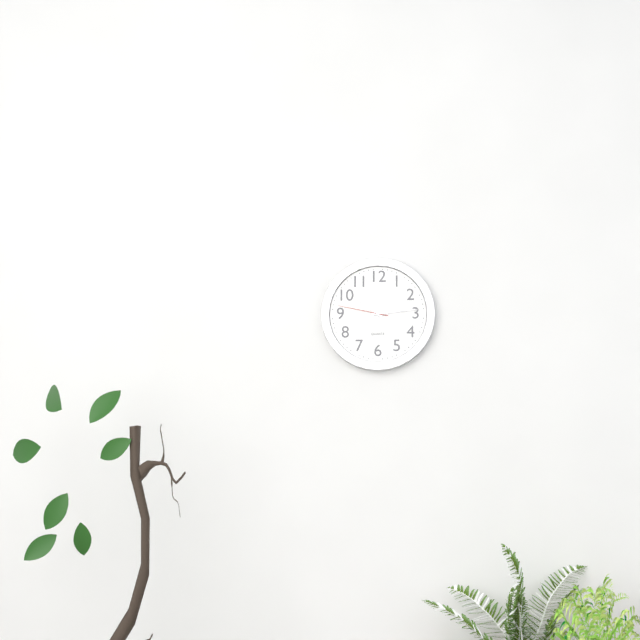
10:14:47
